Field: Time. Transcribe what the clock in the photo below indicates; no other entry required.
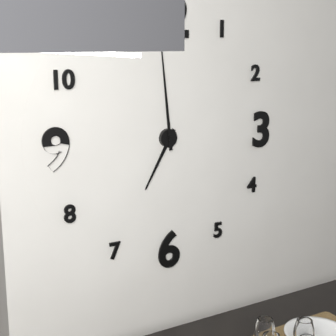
6:59
